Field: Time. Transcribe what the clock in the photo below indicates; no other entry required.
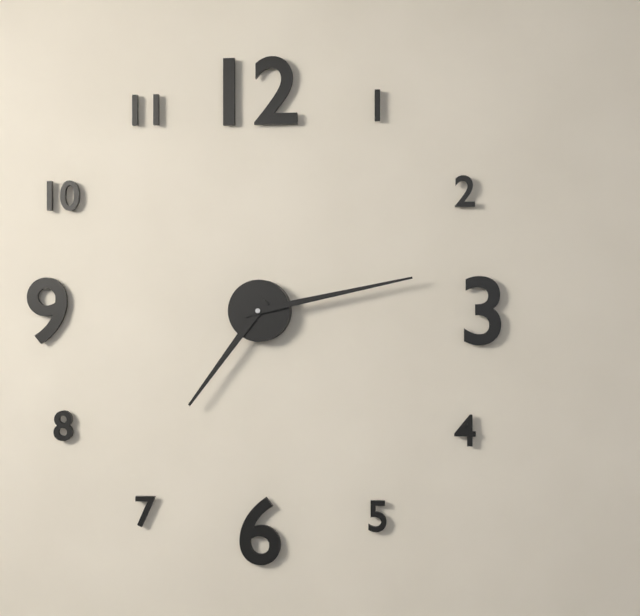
7:13
